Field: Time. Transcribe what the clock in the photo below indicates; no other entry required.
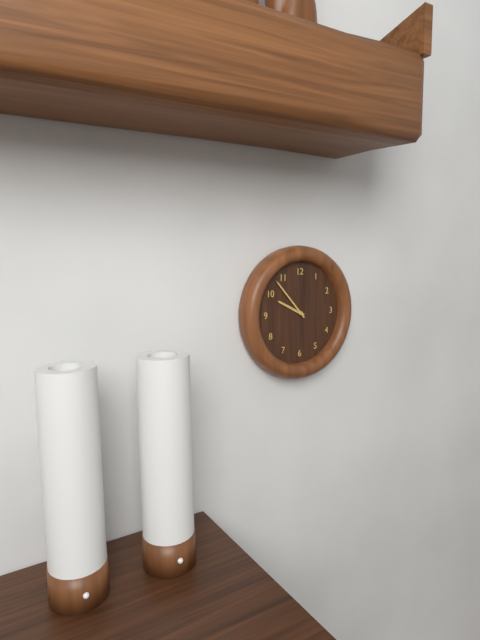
9:53
